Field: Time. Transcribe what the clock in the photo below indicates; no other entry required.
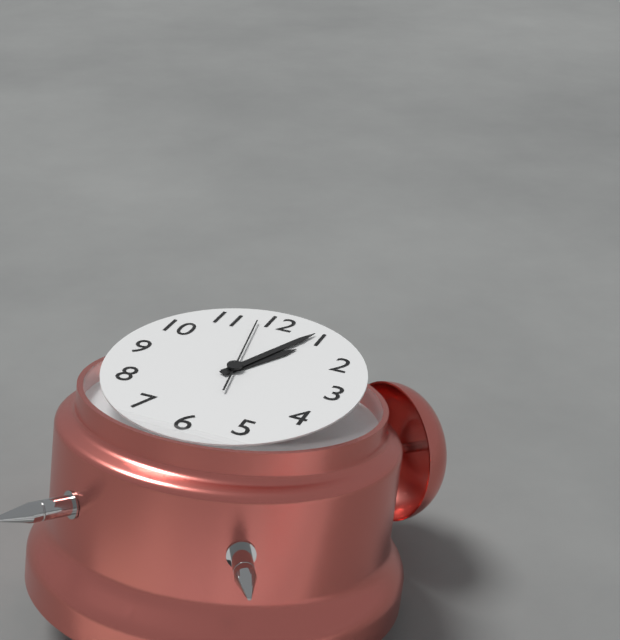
1:04:58
